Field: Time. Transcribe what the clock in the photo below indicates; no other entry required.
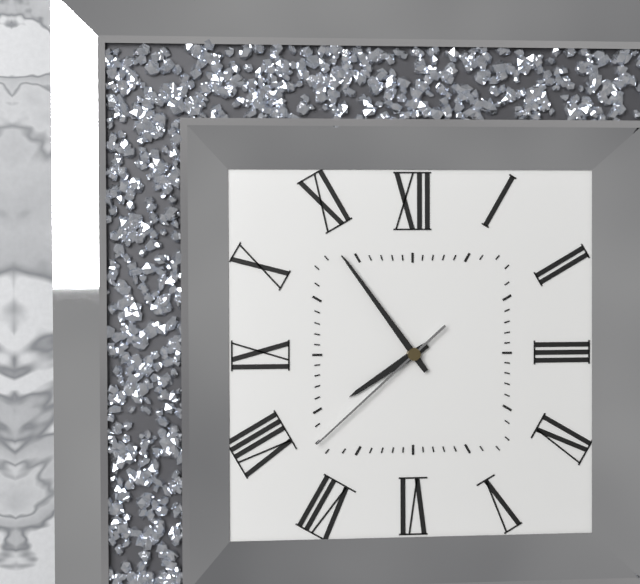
7:54:38
